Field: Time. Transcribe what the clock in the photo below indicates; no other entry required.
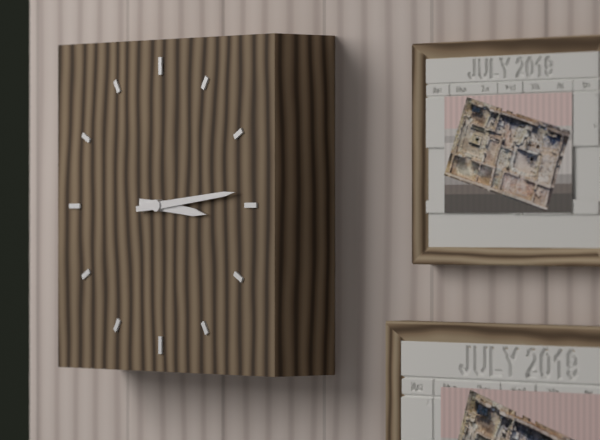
3:14
